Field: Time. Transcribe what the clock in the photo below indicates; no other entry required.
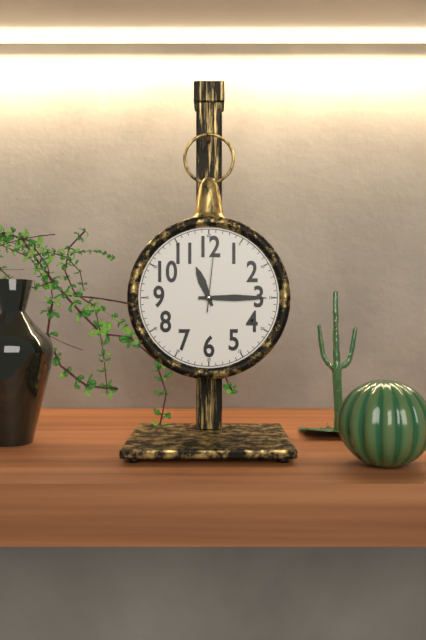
11:15:01
